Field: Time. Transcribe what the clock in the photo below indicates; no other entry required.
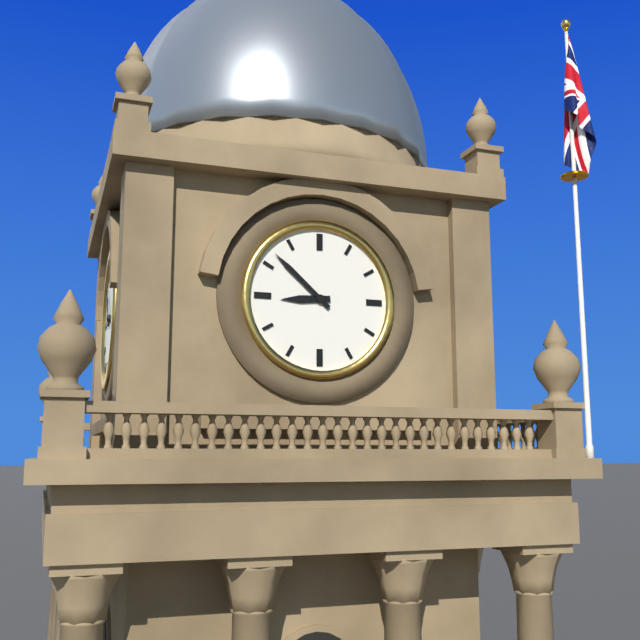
8:52
